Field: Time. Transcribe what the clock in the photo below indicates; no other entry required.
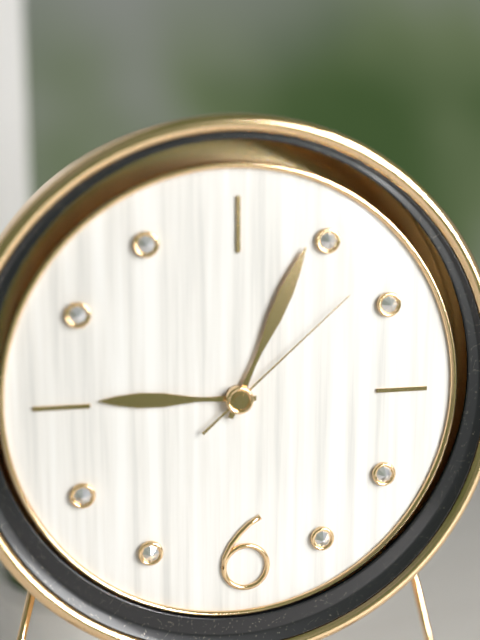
9:04:08
